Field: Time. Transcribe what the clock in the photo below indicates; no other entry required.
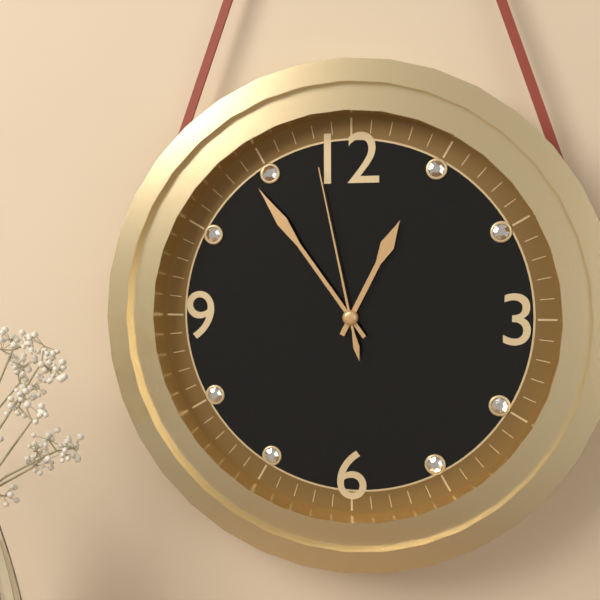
12:54:58
